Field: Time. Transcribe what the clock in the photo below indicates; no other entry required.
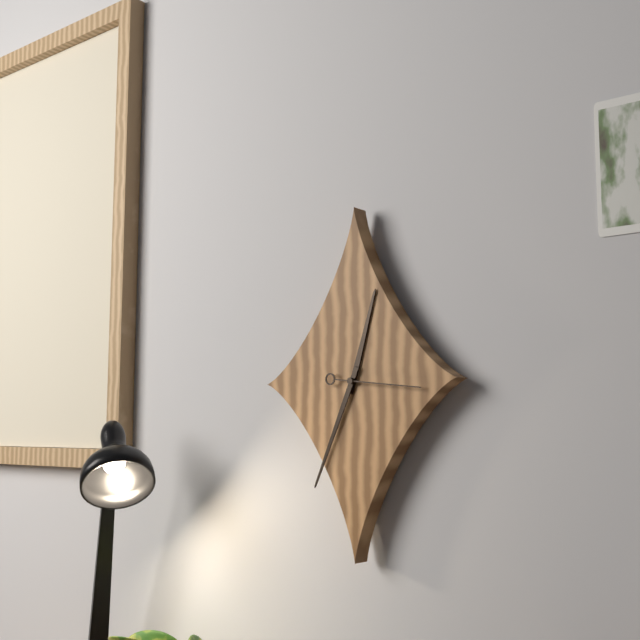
12:34:16
